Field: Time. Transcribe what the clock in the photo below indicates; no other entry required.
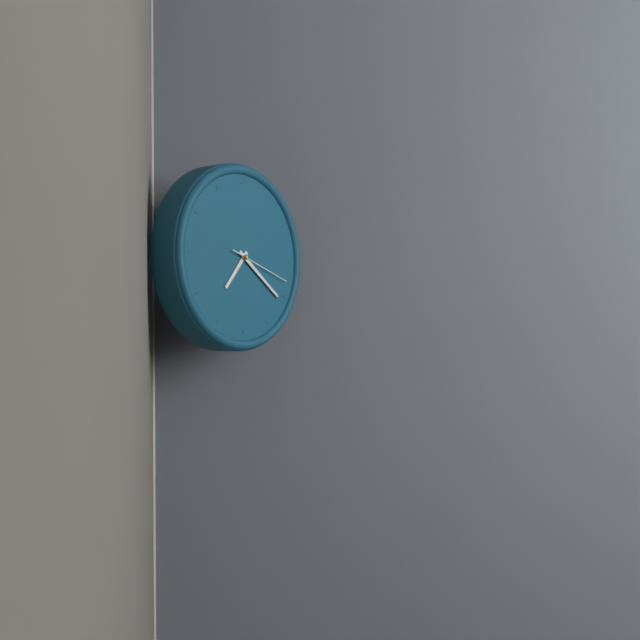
7:21:18
